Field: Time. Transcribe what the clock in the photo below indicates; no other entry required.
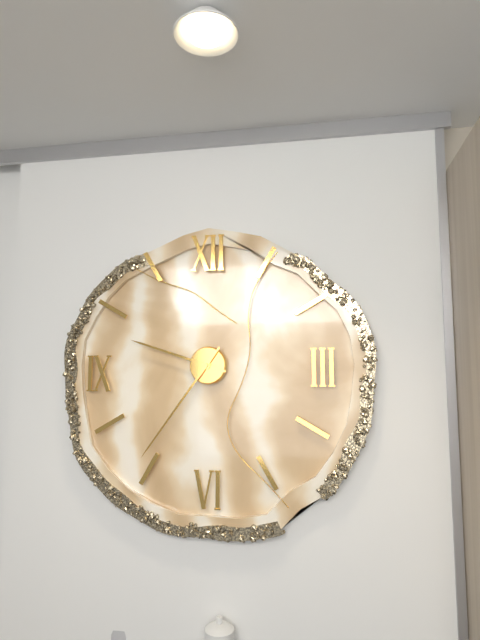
9:36
